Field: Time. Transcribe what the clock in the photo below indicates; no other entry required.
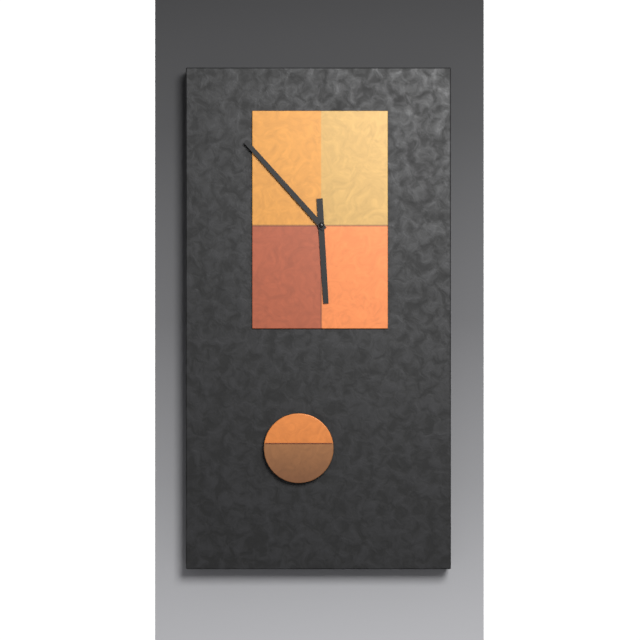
5:53
